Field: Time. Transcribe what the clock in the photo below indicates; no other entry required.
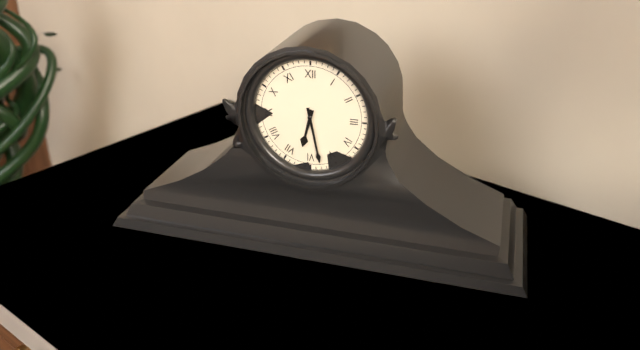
6:28
